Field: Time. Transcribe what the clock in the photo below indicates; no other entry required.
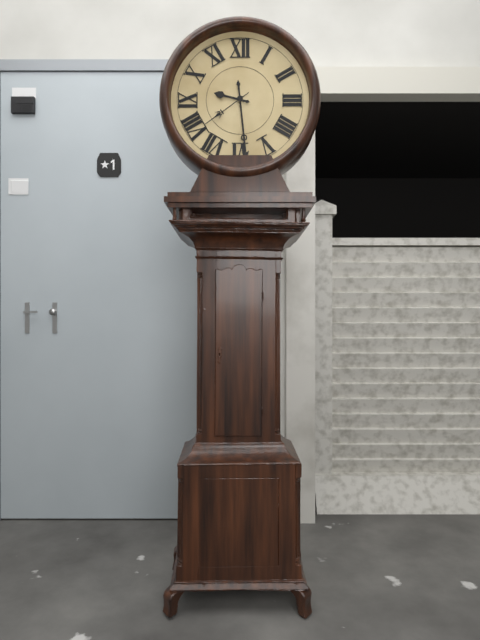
9:29
